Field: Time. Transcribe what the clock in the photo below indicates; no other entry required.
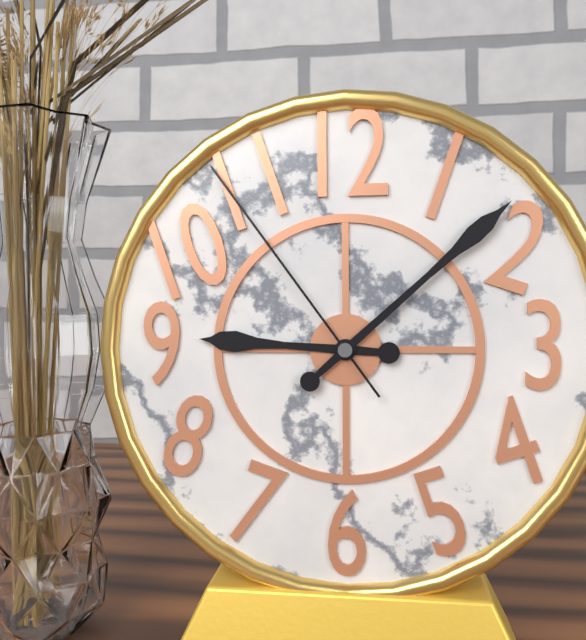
9:08:54
